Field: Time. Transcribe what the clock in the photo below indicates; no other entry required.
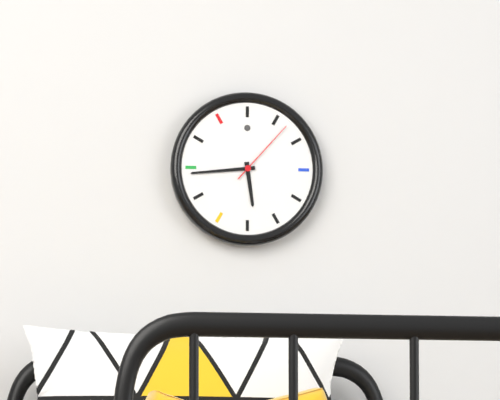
5:44:07
